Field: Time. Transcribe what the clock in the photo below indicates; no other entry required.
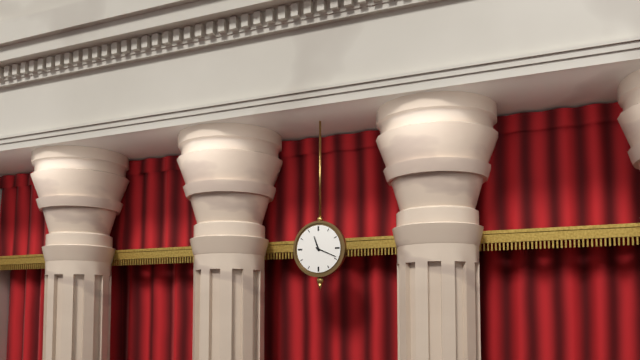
11:19
